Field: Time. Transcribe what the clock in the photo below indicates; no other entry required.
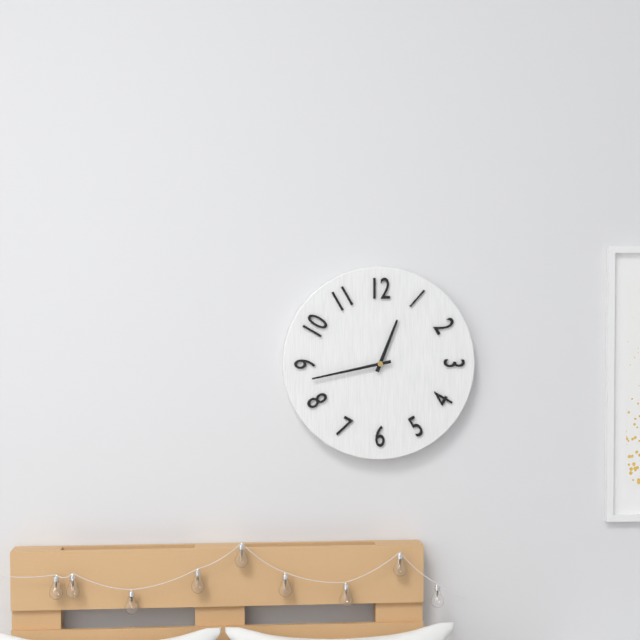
12:43
